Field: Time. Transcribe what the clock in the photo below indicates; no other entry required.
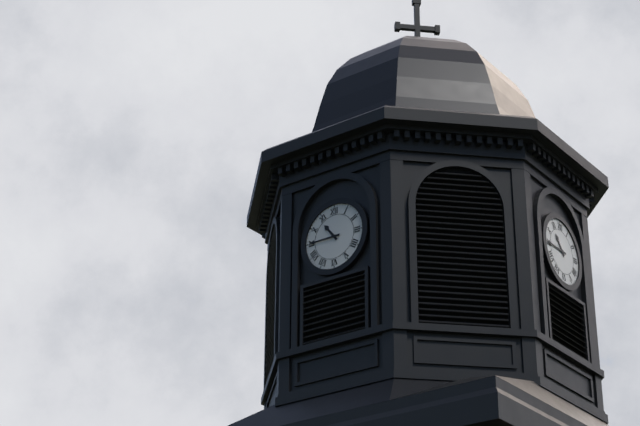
10:45
